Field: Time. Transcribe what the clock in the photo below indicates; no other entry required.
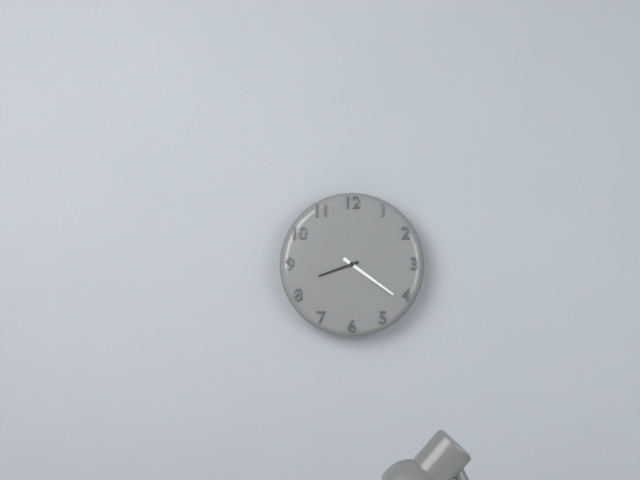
8:21
